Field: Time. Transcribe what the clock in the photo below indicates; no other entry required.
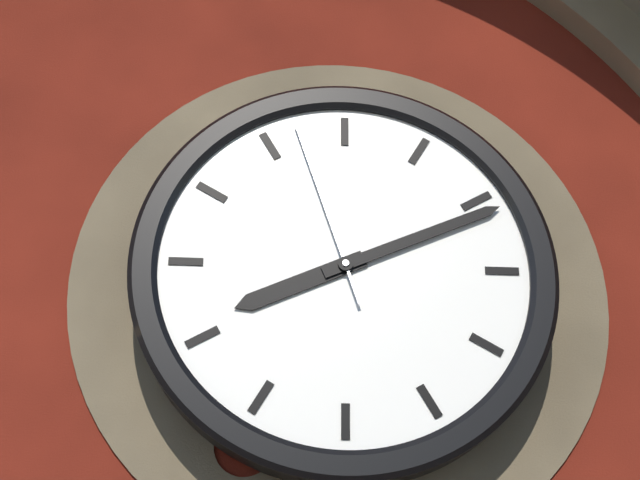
8:11:57
